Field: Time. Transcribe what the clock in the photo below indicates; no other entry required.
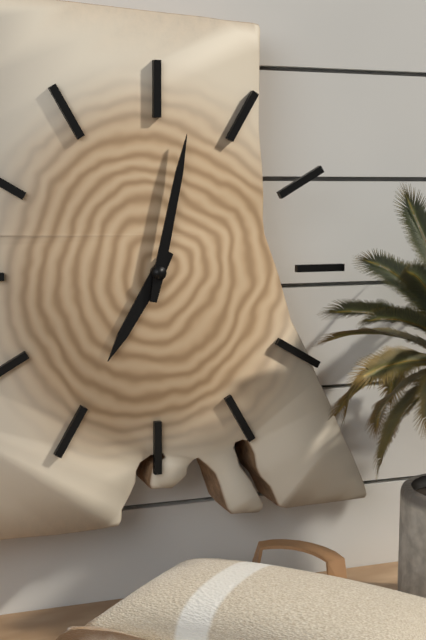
7:02
